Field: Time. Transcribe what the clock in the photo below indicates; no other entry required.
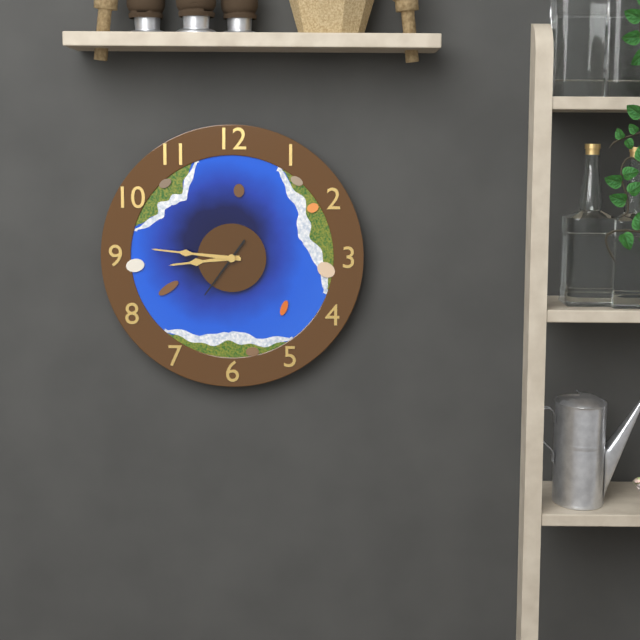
8:46:36
